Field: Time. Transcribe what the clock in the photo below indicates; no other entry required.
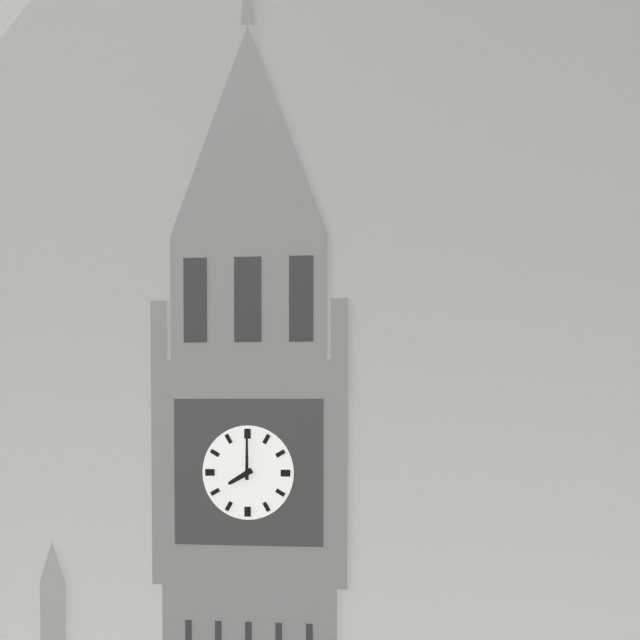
8:00
